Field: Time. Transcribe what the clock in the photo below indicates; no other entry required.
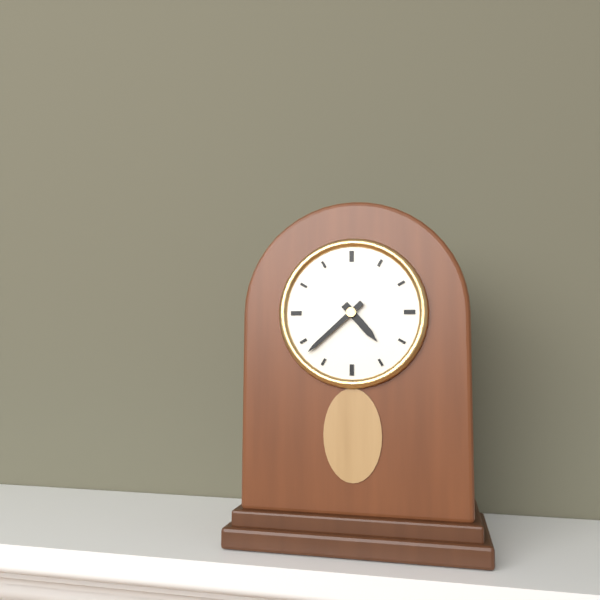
4:38
